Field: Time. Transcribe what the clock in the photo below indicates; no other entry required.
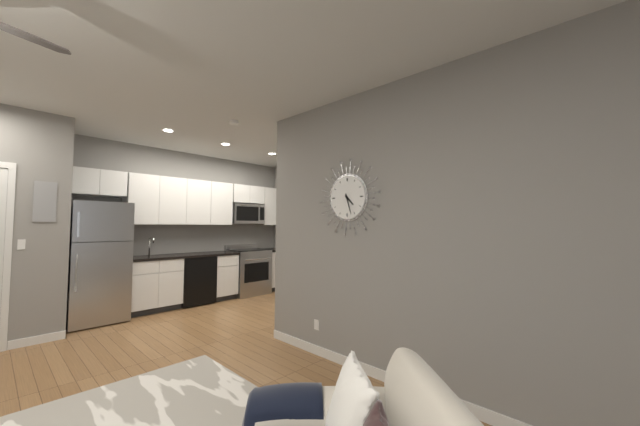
4:27
